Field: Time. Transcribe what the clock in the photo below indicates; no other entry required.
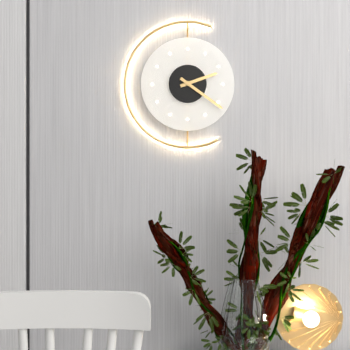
2:21
